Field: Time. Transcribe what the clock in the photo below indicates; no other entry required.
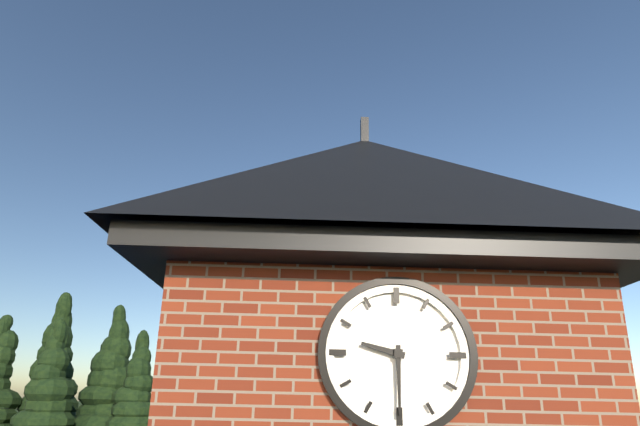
9:30
